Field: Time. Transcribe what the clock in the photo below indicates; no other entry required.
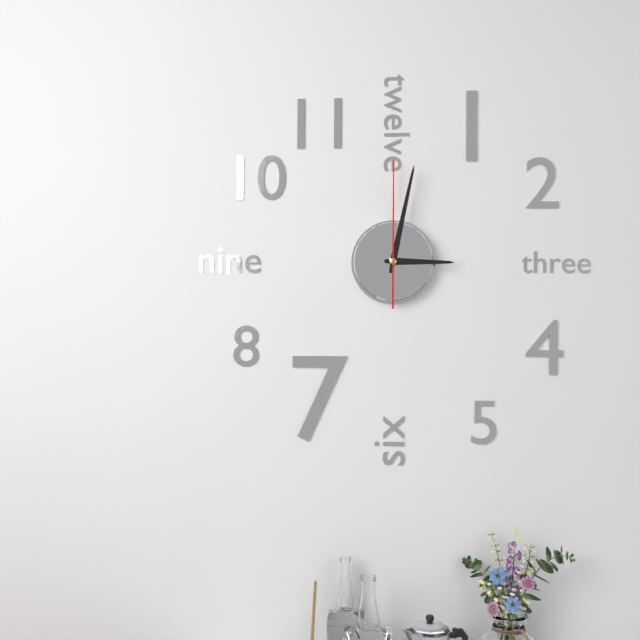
3:02:00
